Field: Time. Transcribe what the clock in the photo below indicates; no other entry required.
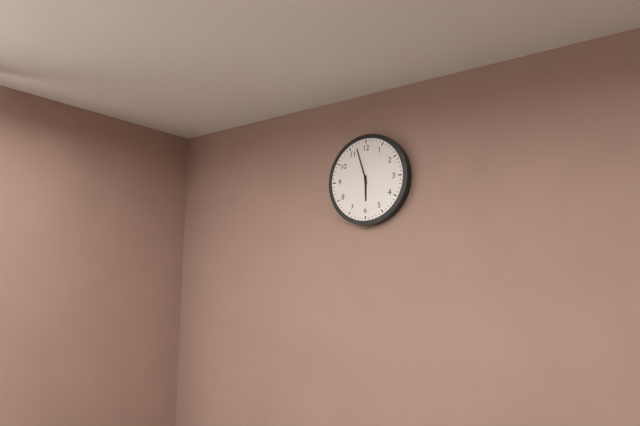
5:57
